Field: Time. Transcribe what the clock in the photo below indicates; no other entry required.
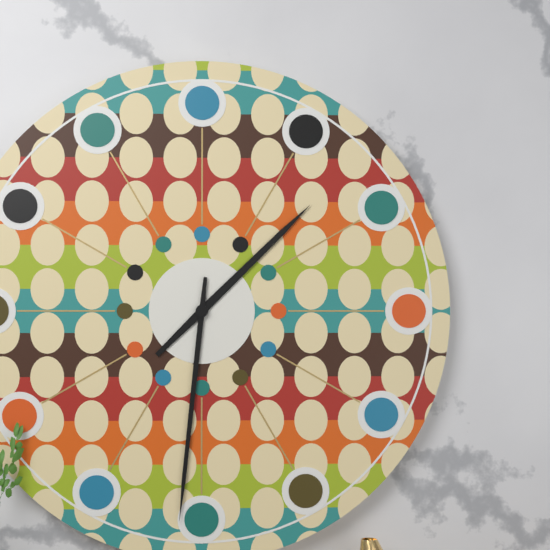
1:31
